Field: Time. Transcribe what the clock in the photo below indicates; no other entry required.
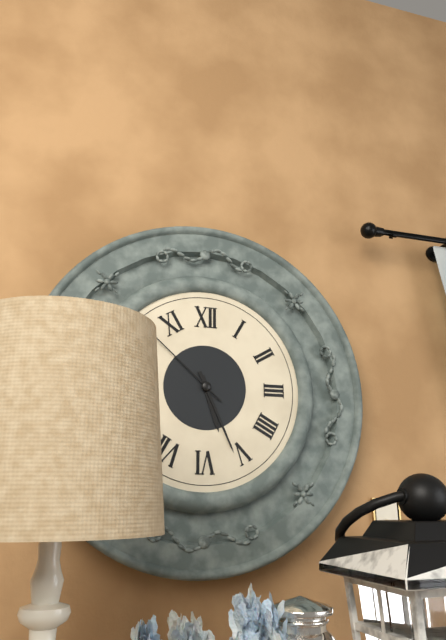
5:26:52
